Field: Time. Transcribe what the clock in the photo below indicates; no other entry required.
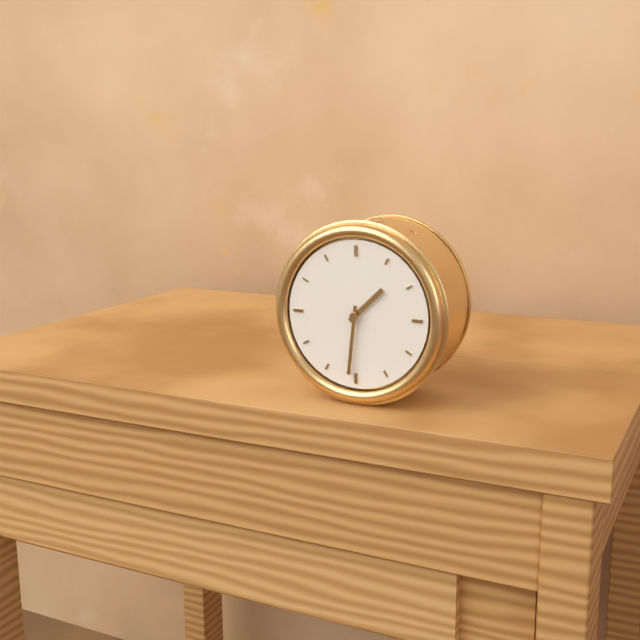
1:31
